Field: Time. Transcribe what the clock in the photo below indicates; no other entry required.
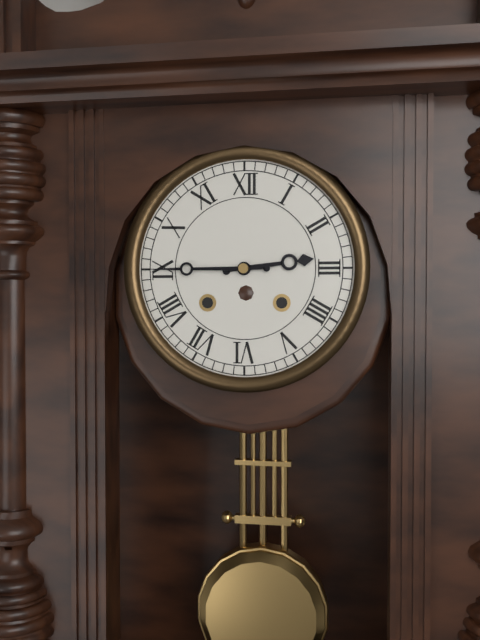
2:45
